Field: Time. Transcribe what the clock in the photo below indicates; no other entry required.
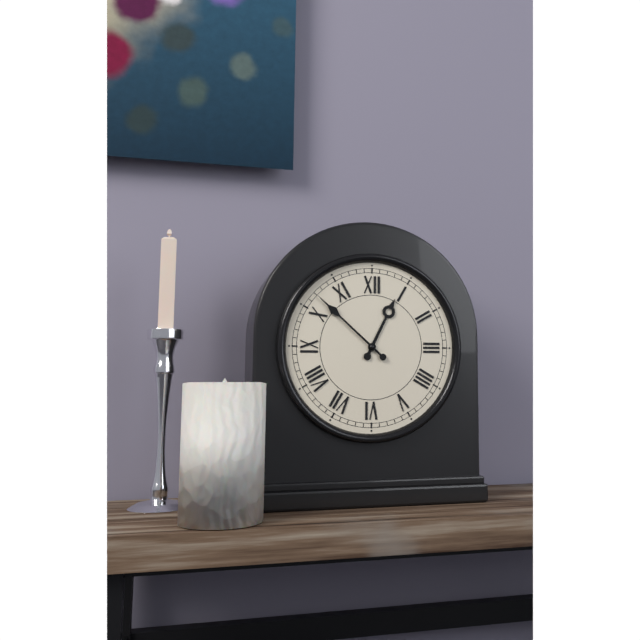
12:52
